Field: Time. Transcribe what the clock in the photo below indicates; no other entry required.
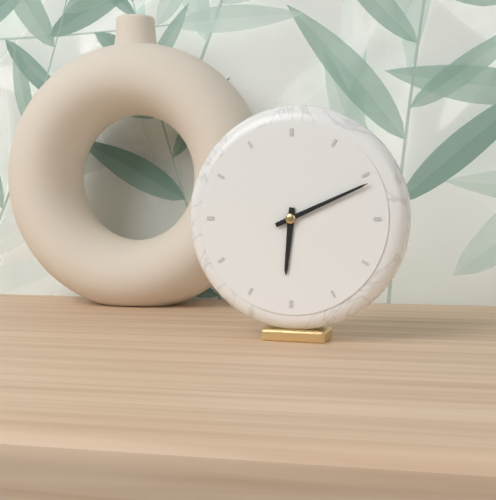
6:11
